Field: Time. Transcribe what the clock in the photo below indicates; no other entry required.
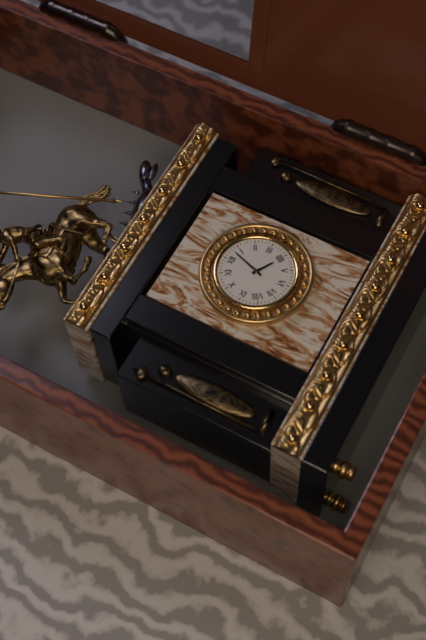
4:03
